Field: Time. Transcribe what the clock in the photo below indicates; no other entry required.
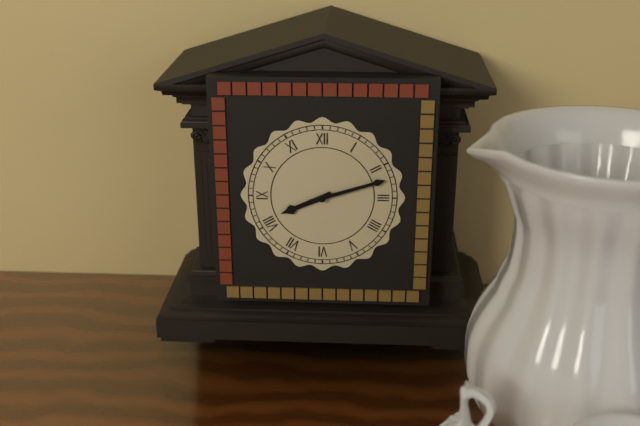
8:12
